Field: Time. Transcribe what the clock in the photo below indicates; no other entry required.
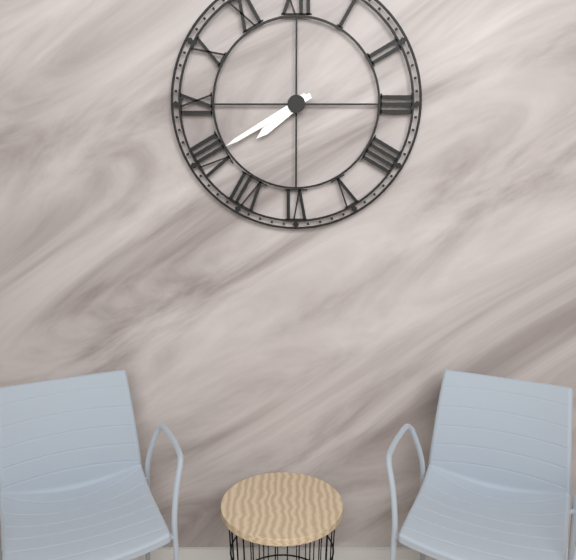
7:40
